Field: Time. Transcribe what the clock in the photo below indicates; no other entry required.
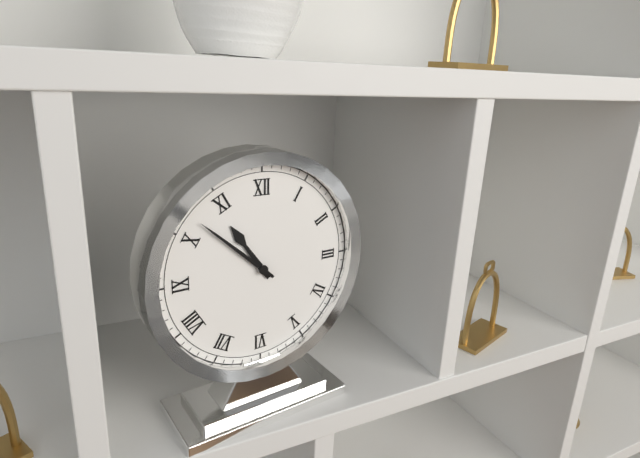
10:52
